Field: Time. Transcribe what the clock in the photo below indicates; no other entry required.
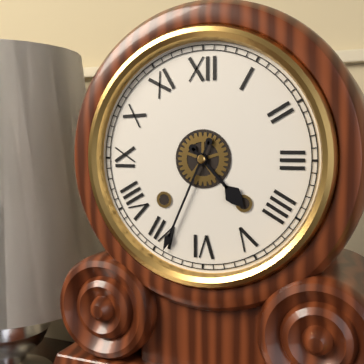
4:34
